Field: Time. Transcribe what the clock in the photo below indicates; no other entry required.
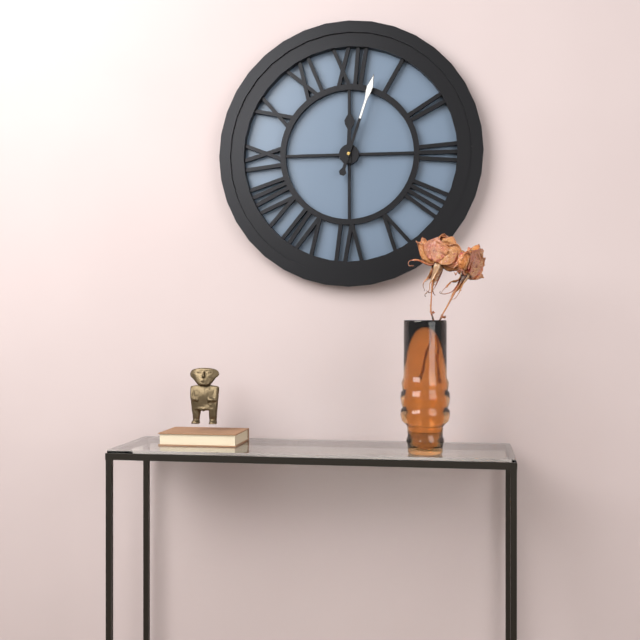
12:03
